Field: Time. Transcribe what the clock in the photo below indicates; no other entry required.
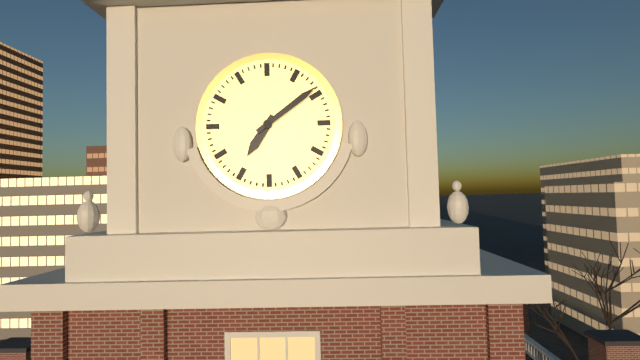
7:09
